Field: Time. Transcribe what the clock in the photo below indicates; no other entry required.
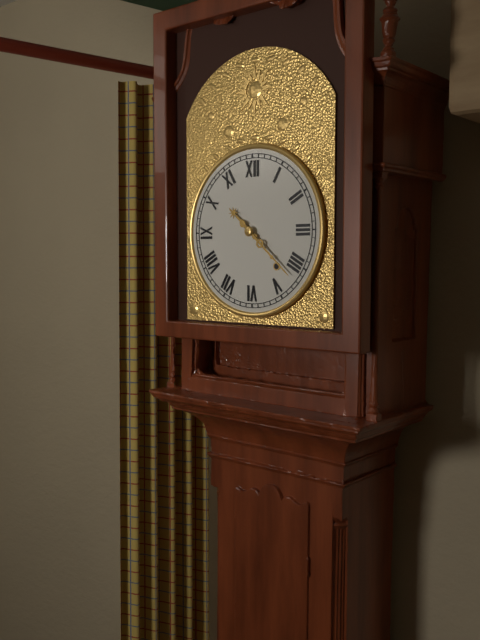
10:22
